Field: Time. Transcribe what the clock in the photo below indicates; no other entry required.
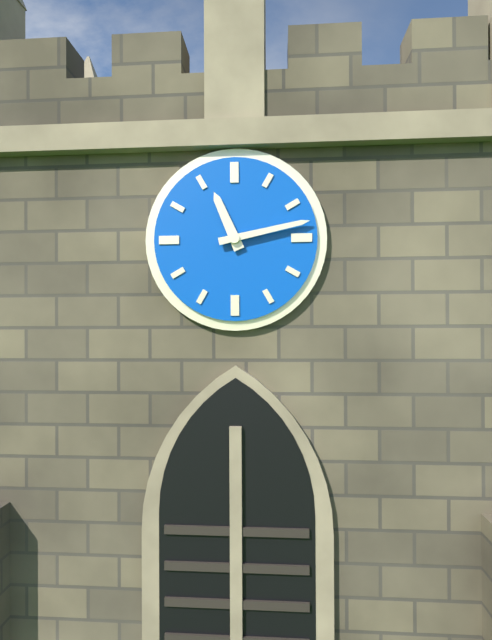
11:13
